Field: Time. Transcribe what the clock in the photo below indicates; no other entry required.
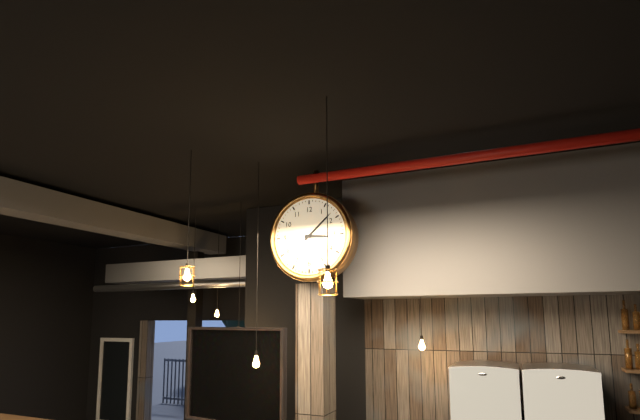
3:08
